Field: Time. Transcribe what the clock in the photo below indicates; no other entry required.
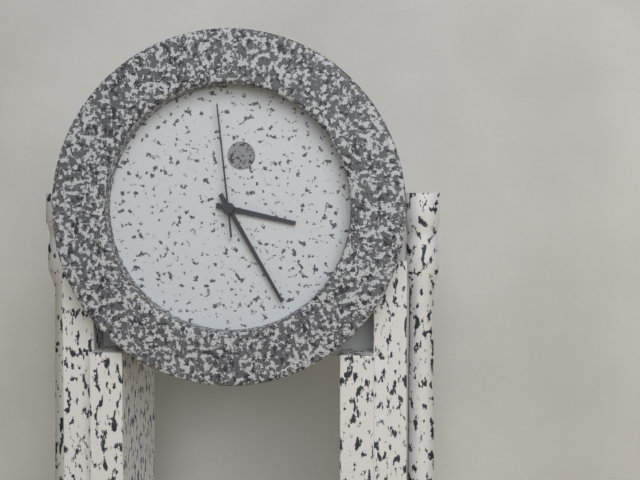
3:25:59
